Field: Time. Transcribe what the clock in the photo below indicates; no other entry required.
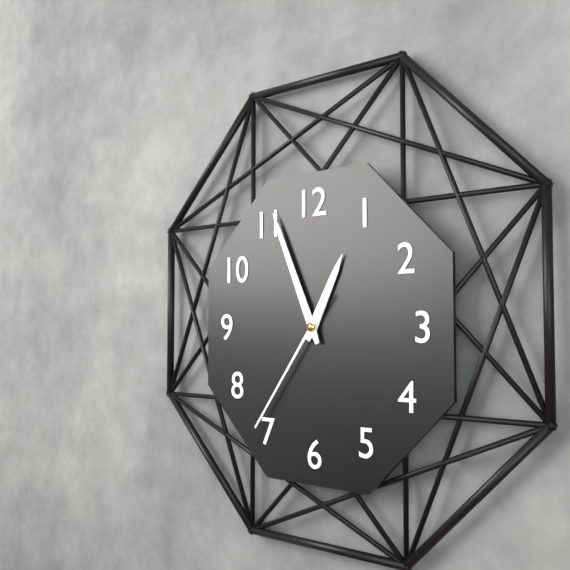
12:56:36
